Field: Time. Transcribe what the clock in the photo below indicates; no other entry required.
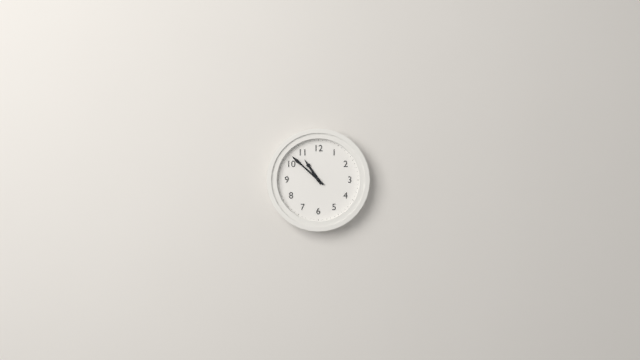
10:52
